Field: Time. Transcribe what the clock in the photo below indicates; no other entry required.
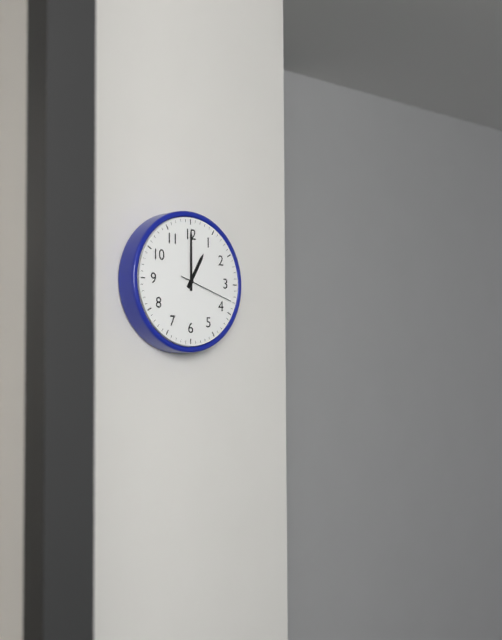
1:00:18
